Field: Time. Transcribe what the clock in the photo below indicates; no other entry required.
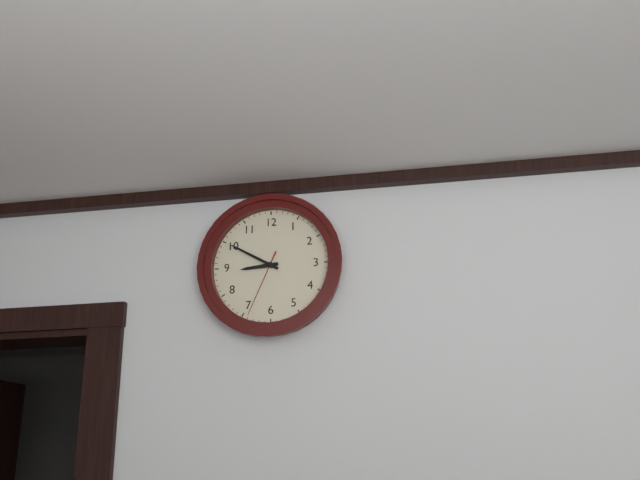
8:50:34
